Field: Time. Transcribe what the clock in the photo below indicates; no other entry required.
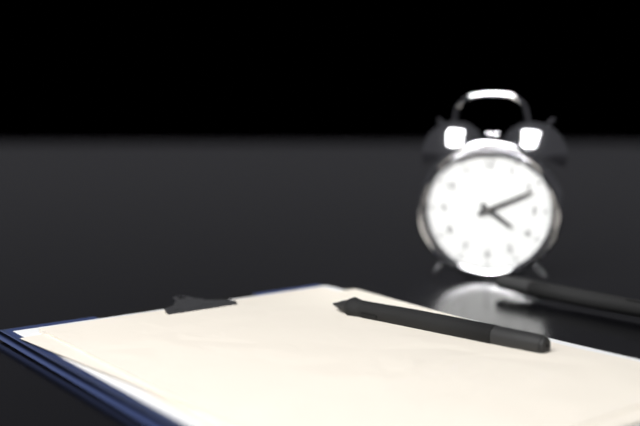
4:11
